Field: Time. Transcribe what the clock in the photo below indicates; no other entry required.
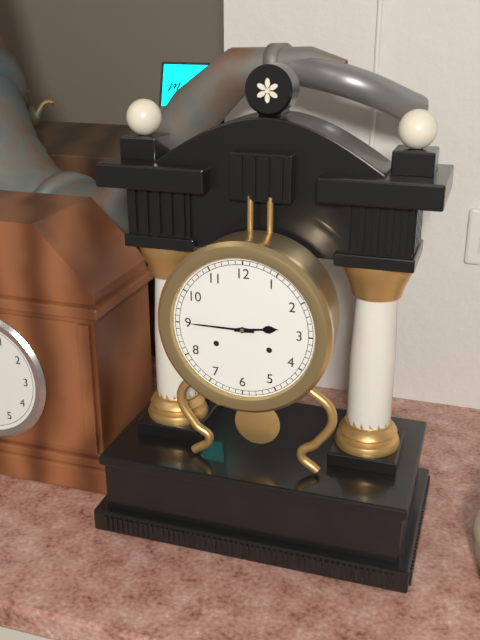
2:45
